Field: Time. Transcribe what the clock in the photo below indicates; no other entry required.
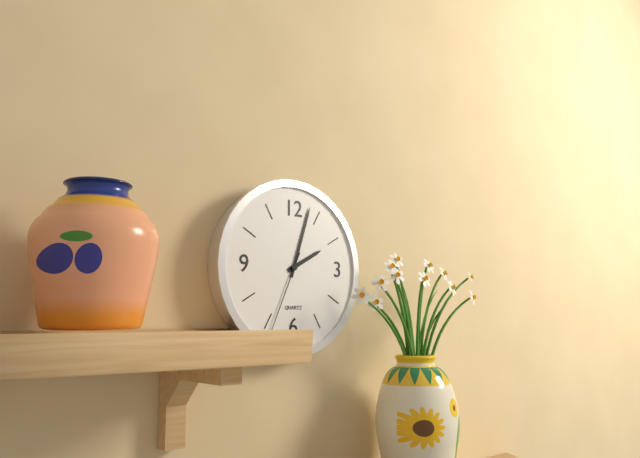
2:03:34
